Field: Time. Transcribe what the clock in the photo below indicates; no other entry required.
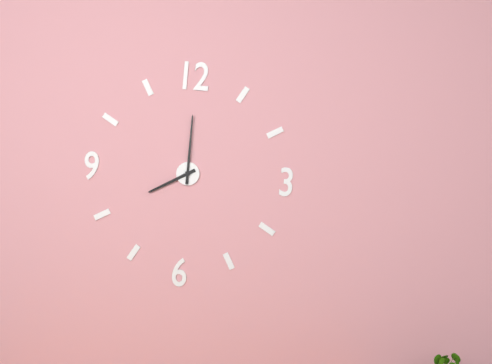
8:00
